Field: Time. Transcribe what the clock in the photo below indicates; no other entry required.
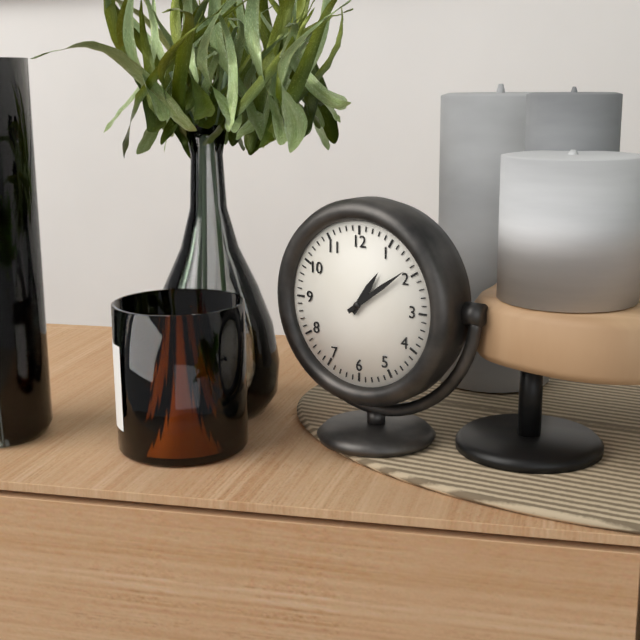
1:09
